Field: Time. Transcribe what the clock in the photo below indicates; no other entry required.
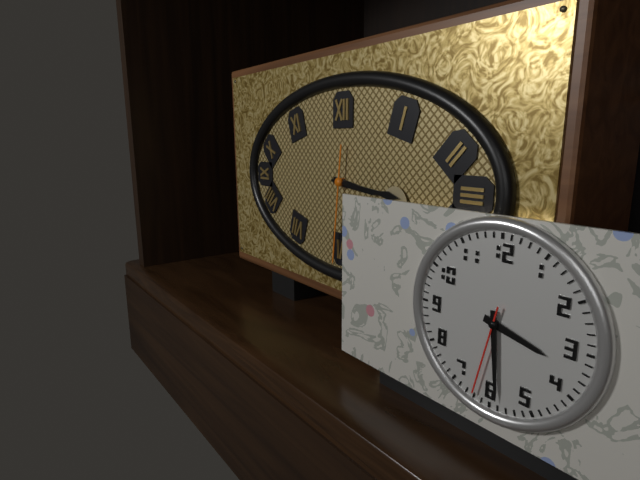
3:16:31
